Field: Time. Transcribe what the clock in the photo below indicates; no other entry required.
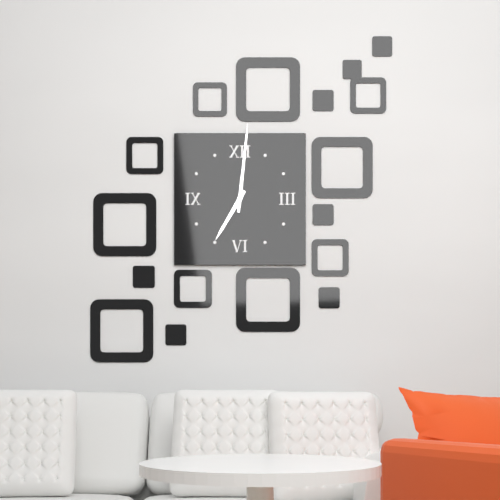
7:01
